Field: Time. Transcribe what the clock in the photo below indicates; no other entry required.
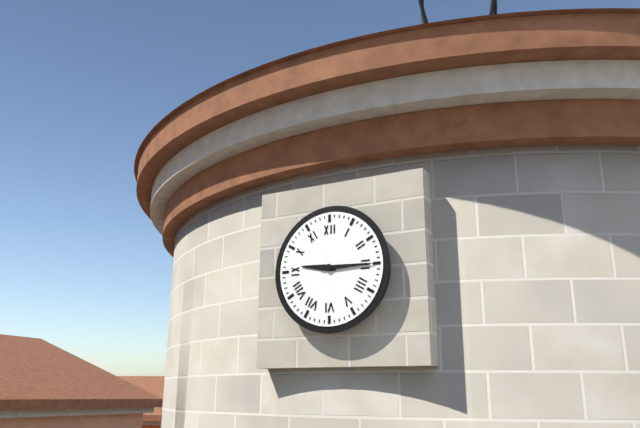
9:15
